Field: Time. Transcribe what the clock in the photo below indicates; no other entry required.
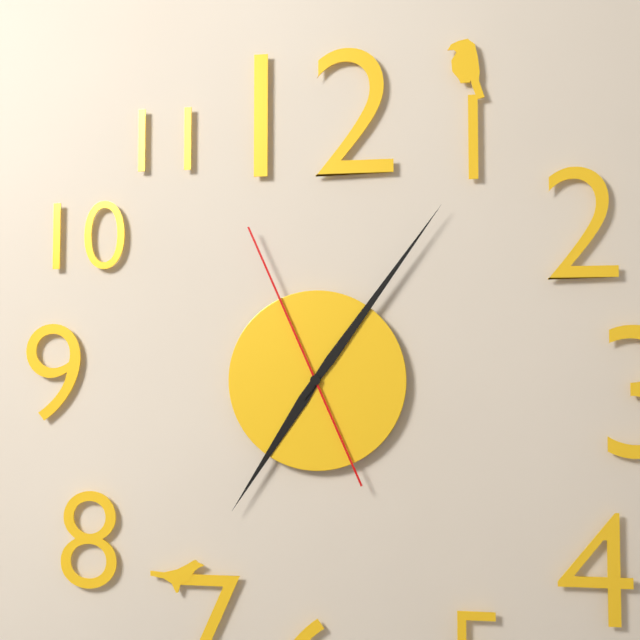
7:06:56
